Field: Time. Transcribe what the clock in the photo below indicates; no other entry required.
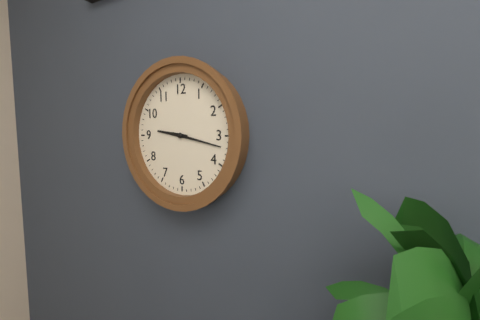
9:17
